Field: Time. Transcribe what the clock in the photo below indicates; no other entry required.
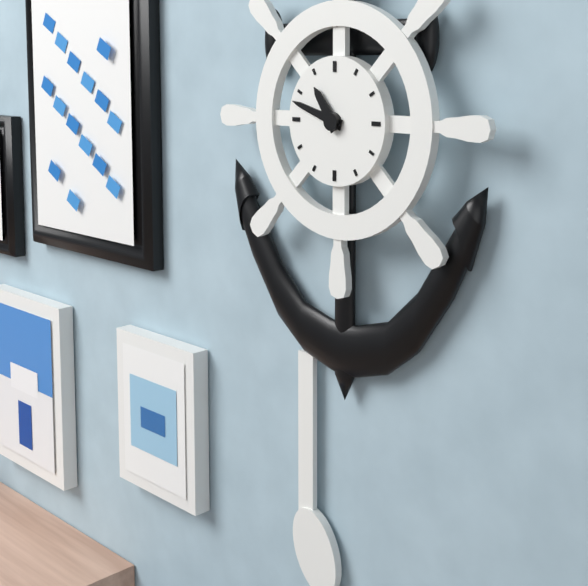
10:48
